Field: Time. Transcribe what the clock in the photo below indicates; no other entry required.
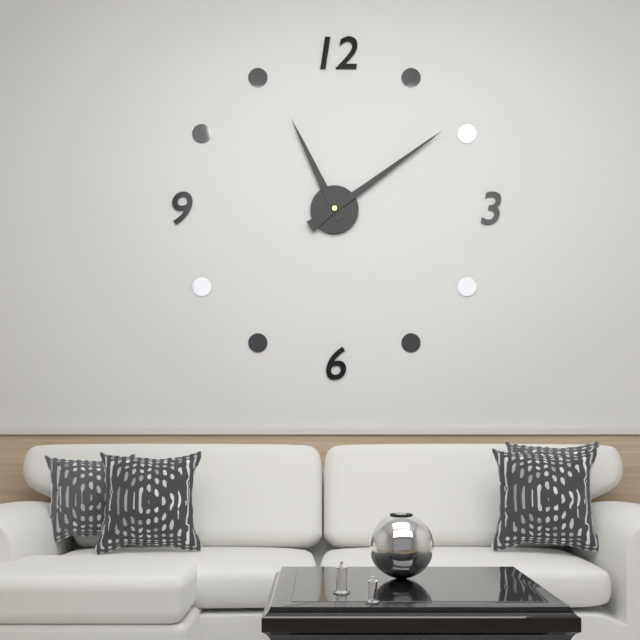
11:09
